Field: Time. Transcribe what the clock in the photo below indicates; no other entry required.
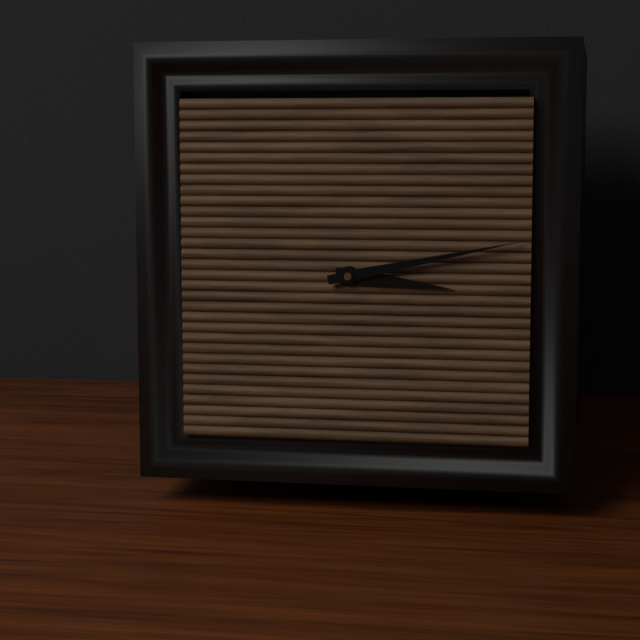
3:13
